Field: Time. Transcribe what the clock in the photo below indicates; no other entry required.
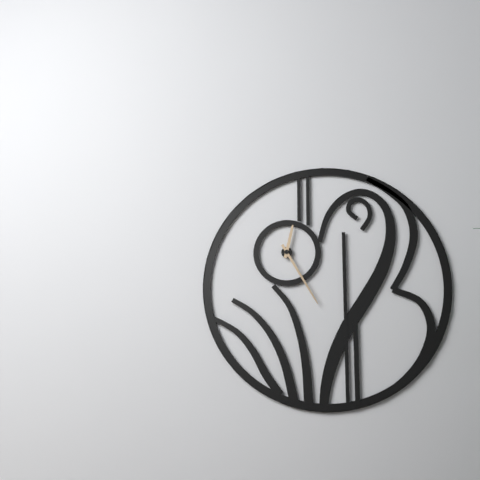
12:25
